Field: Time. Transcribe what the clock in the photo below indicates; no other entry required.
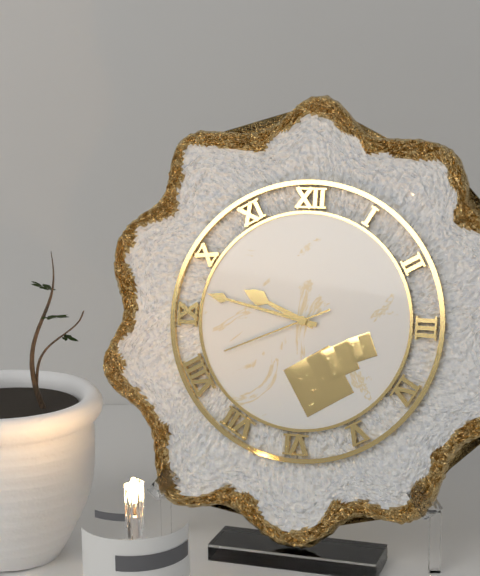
9:47:41
